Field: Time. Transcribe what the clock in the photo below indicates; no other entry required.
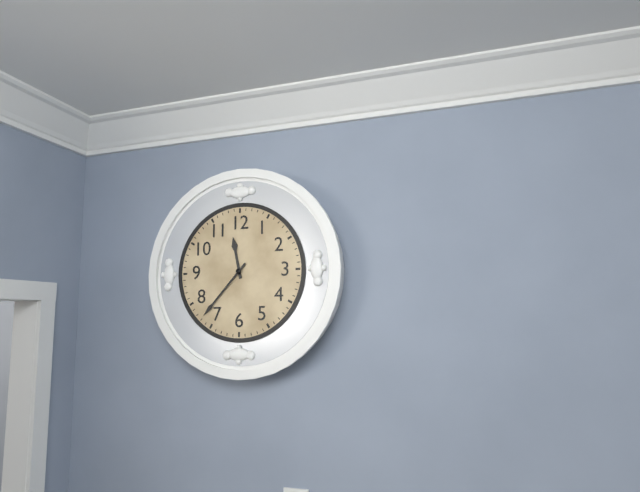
11:37
